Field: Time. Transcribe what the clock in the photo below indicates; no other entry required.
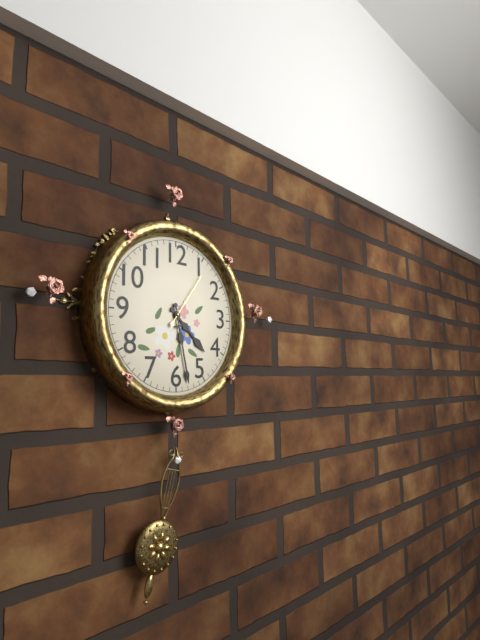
4:28:06
